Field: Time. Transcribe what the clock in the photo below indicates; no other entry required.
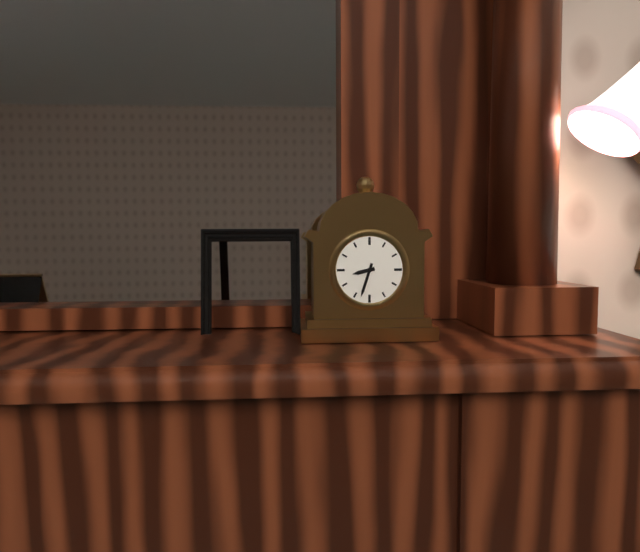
8:33
